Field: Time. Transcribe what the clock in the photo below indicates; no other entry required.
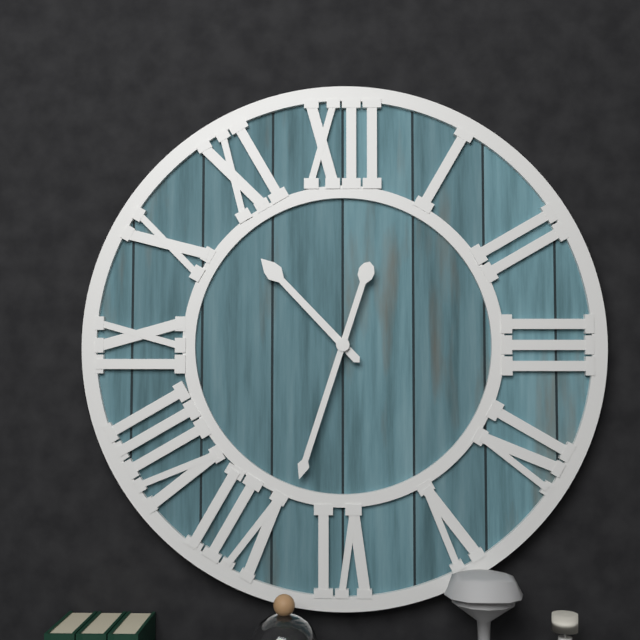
10:33
